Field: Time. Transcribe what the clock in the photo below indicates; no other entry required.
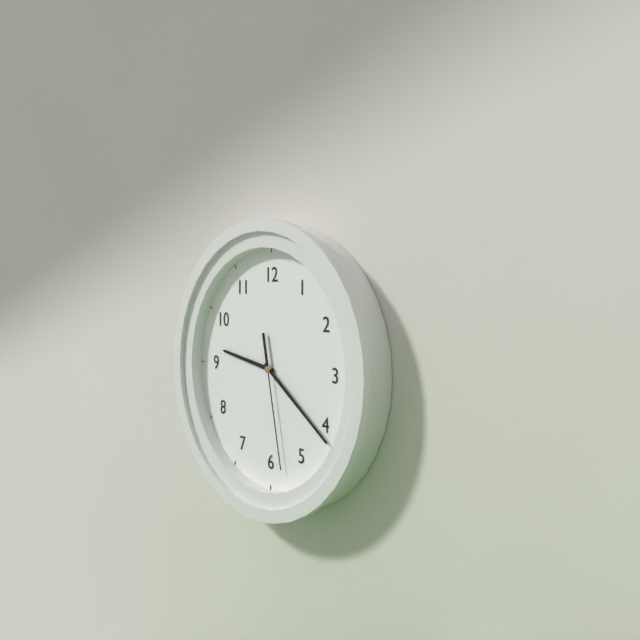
9:21:28
